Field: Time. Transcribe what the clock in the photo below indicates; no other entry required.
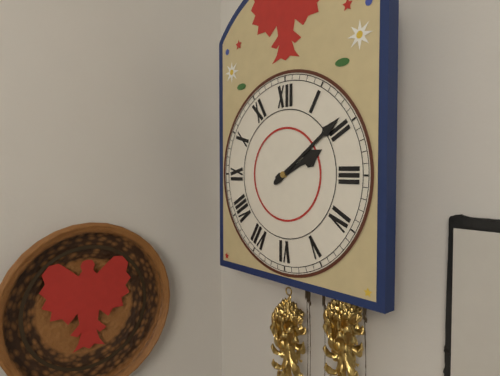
2:09
